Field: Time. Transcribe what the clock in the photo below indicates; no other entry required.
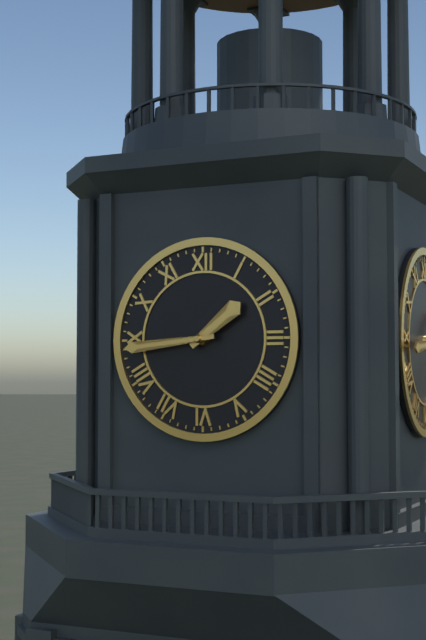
1:44
